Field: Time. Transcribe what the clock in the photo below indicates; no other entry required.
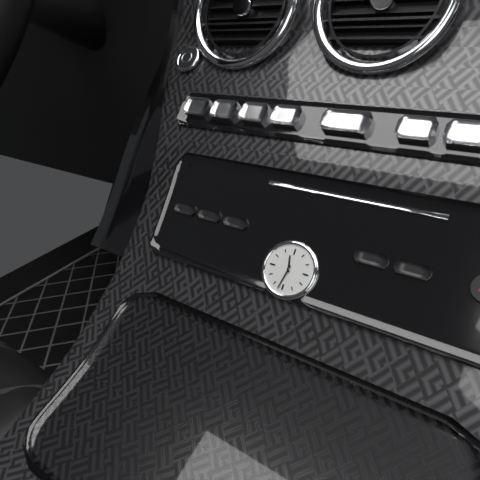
11:32
